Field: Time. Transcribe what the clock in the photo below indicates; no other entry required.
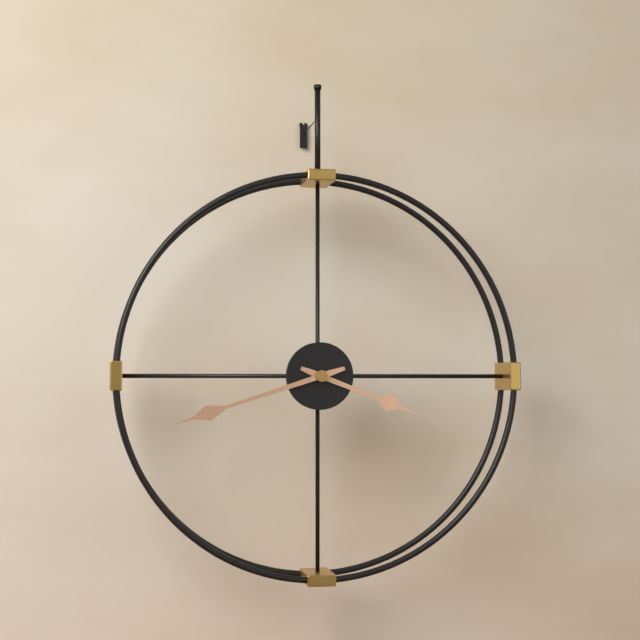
3:42
